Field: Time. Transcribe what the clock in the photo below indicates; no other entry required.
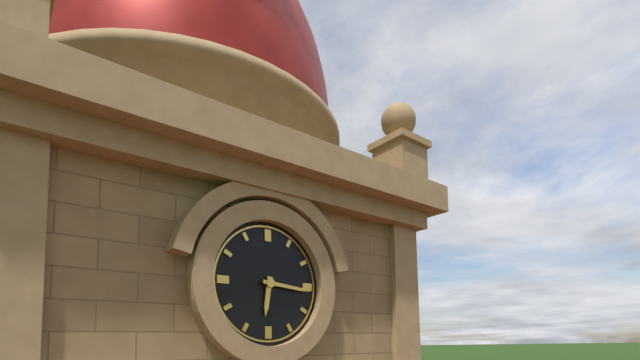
6:16
